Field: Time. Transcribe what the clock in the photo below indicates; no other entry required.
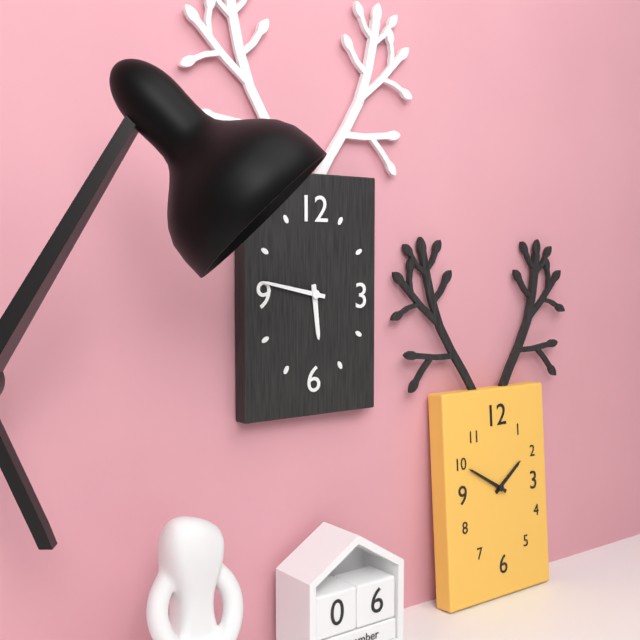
5:47
